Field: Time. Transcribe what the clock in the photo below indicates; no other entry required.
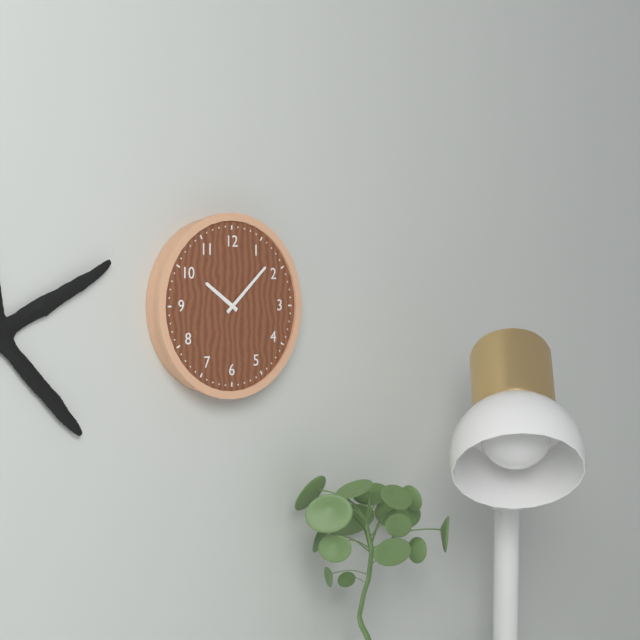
10:08
